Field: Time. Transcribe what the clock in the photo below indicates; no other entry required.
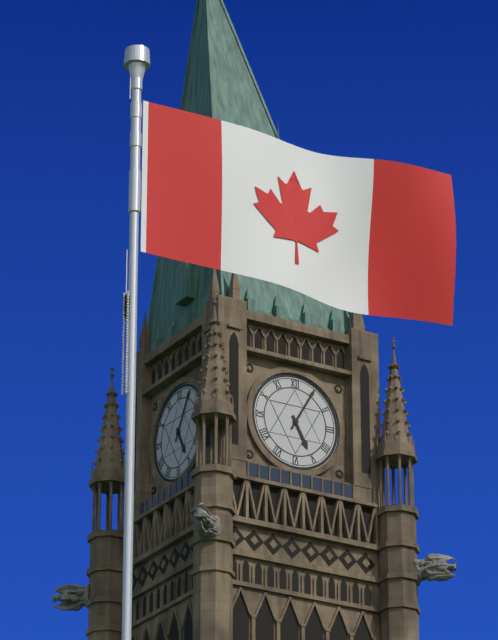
5:05
